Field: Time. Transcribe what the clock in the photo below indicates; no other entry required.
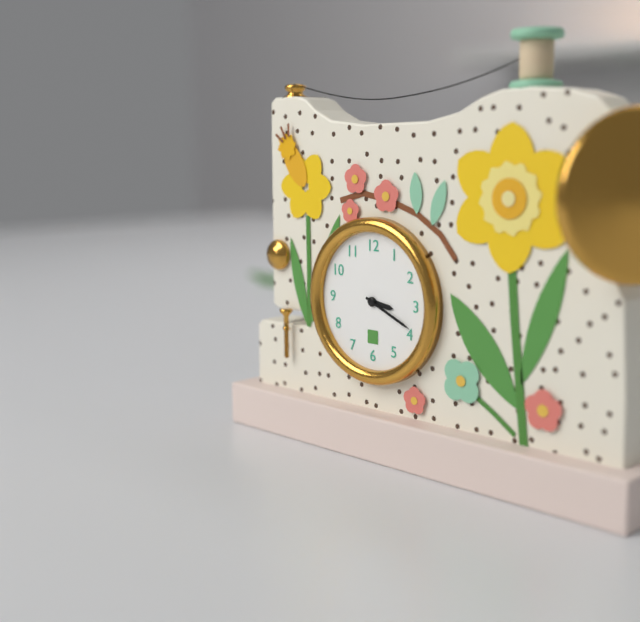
3:19
